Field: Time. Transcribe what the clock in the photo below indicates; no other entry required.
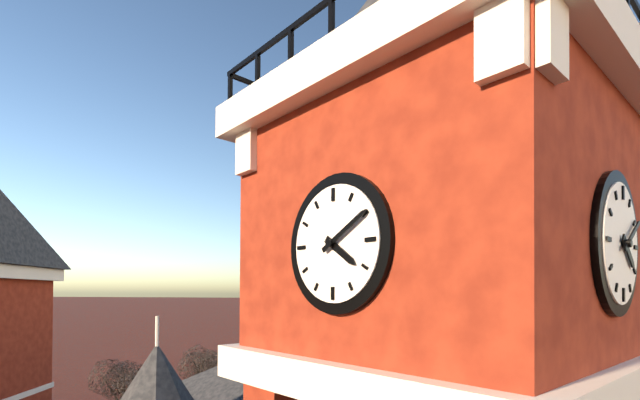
4:10
